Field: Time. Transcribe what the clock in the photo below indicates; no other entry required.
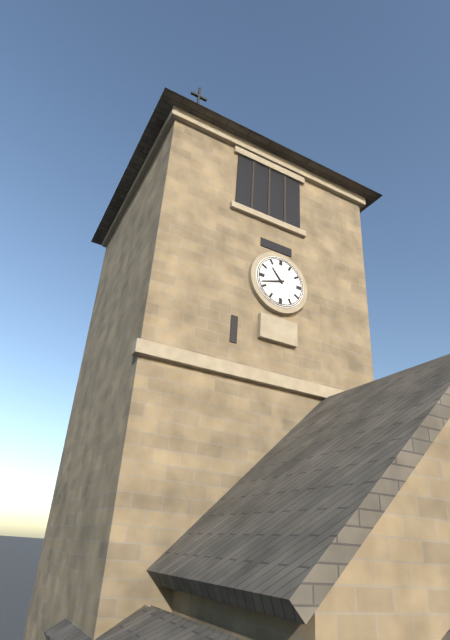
10:42
